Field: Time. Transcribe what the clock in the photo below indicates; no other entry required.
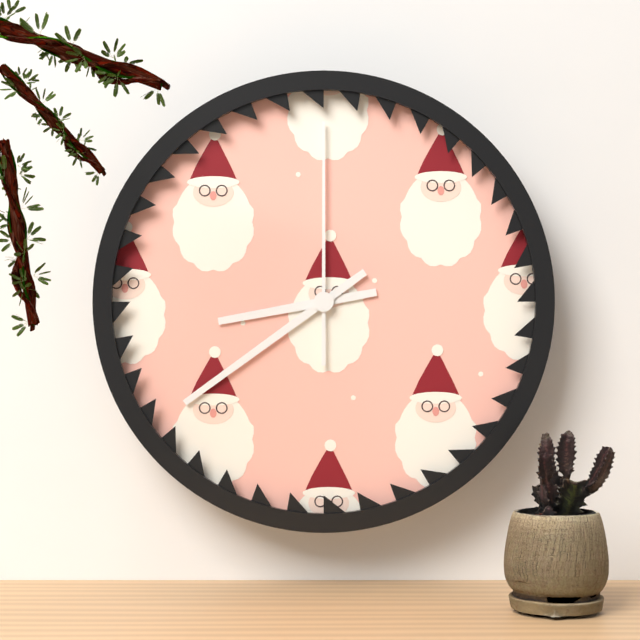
8:39:00
